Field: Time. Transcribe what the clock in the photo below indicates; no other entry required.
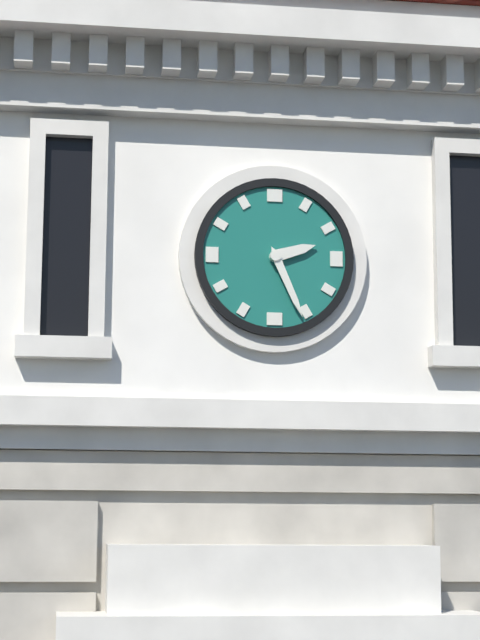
2:26
